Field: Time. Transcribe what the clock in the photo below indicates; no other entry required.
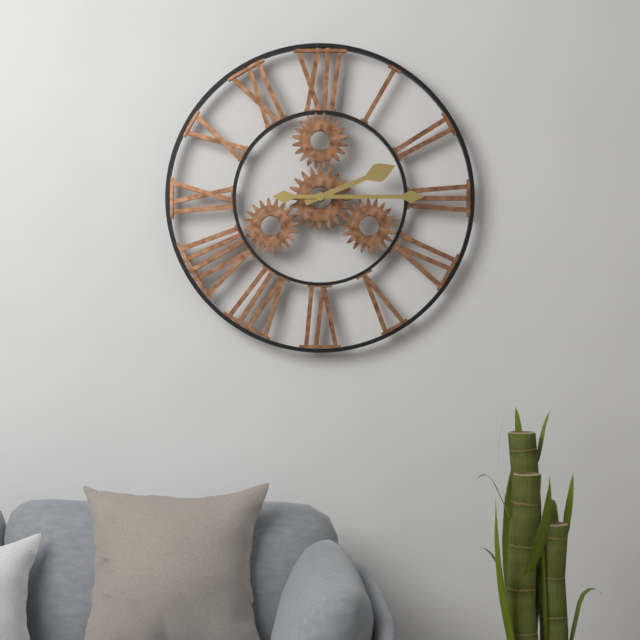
2:15
